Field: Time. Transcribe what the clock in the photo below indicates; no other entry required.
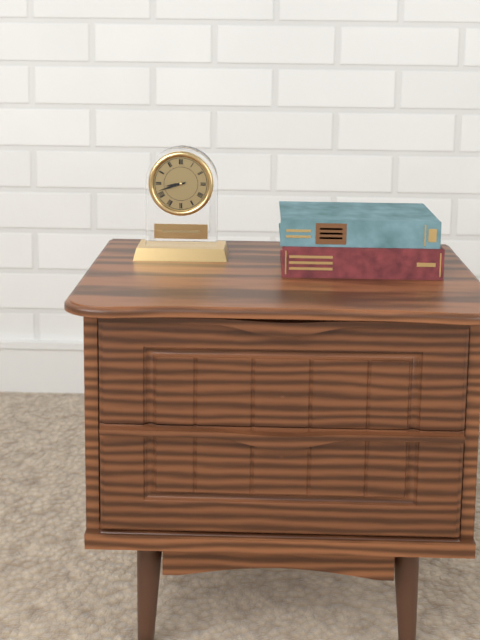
8:42
